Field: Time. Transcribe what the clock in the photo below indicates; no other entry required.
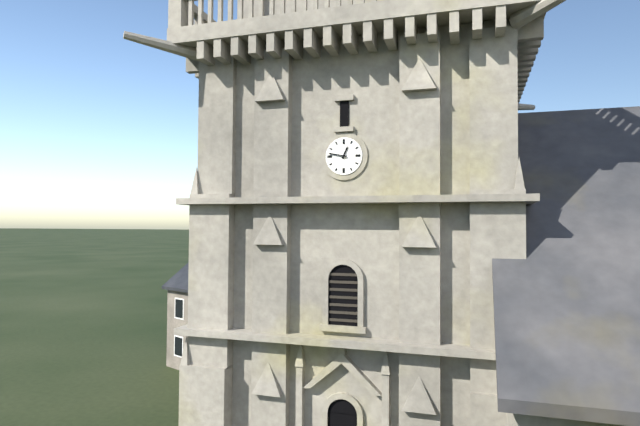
12:47
